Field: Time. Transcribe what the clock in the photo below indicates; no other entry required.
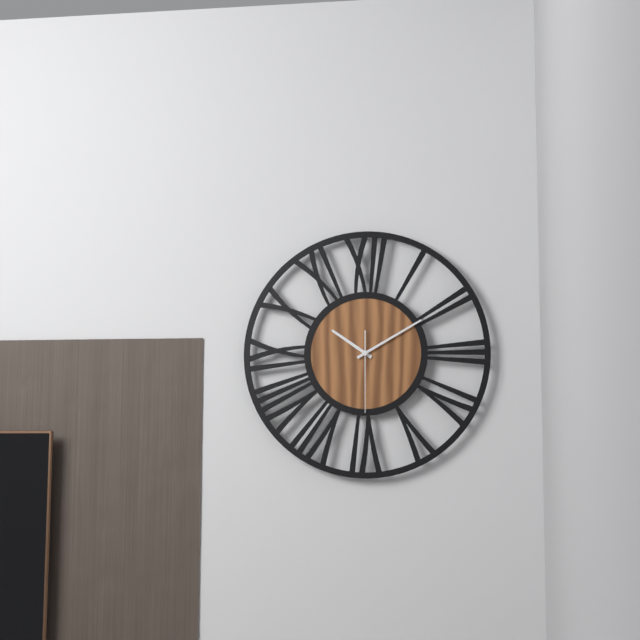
10:10:30
